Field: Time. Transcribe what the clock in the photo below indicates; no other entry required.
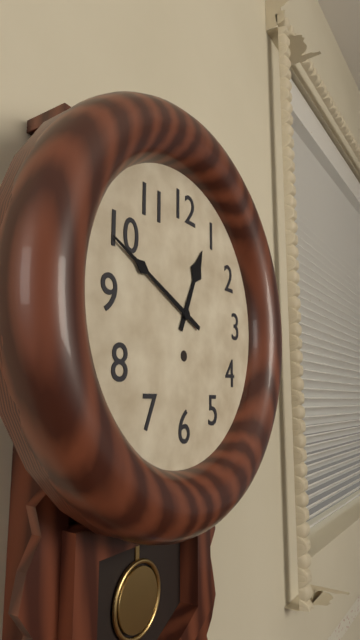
12:49
